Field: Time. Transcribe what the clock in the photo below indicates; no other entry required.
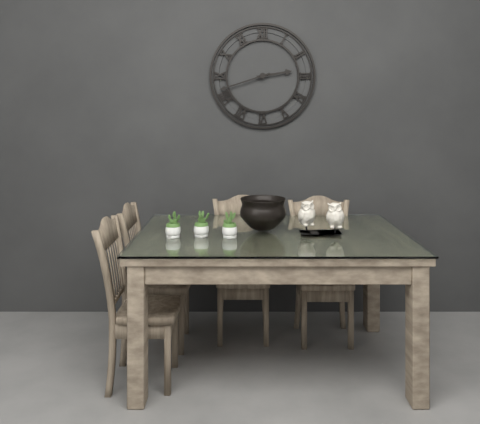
2:42
